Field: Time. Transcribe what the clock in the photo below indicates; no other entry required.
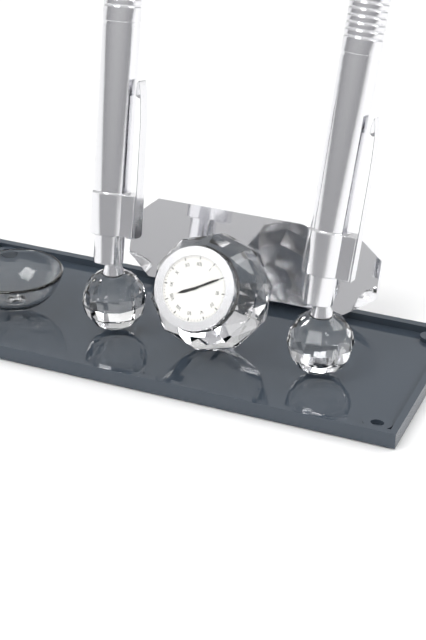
8:10
